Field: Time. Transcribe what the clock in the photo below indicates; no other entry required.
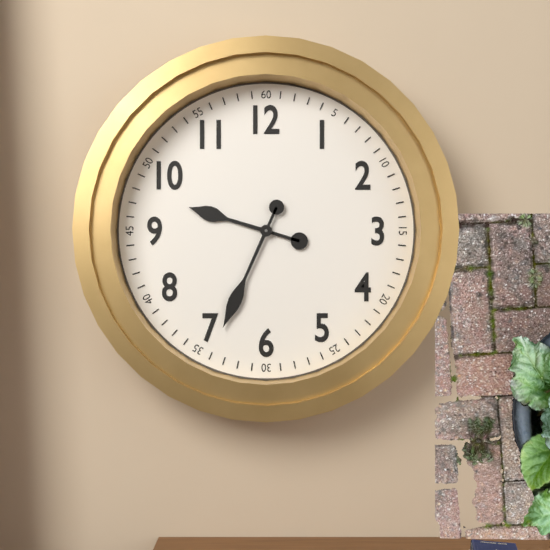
9:34
